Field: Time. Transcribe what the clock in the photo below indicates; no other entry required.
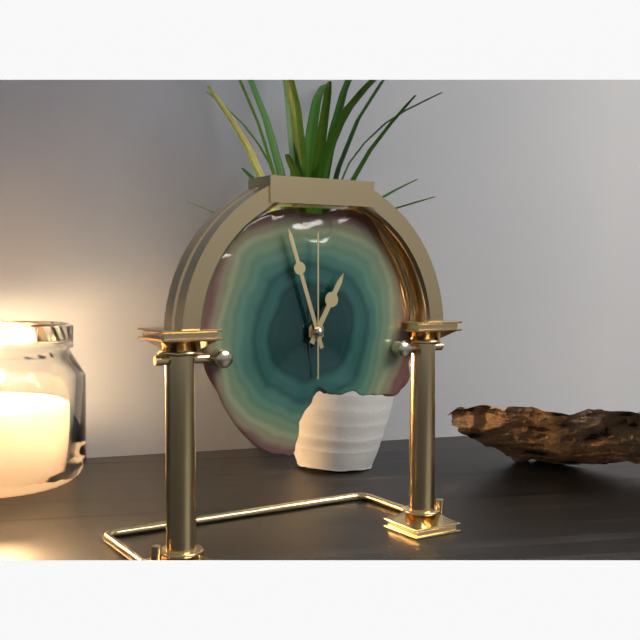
12:57:00
